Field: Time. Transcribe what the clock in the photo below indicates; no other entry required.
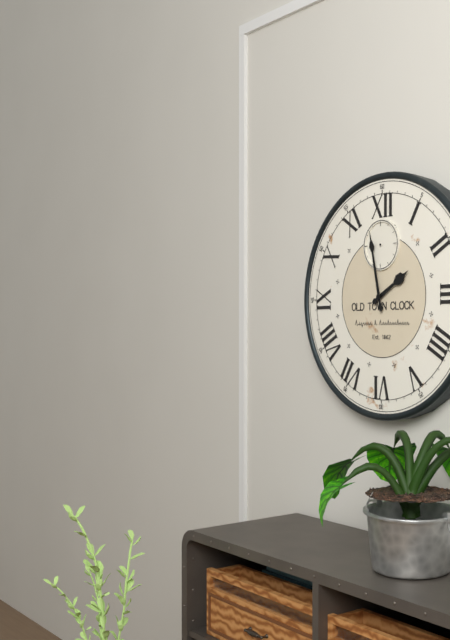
1:58
